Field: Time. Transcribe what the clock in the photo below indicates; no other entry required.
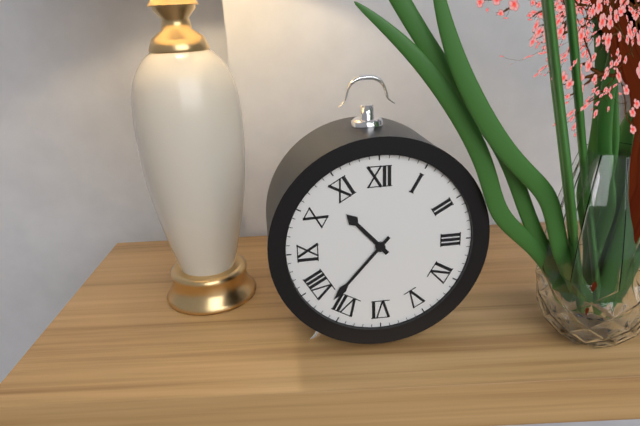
10:37
